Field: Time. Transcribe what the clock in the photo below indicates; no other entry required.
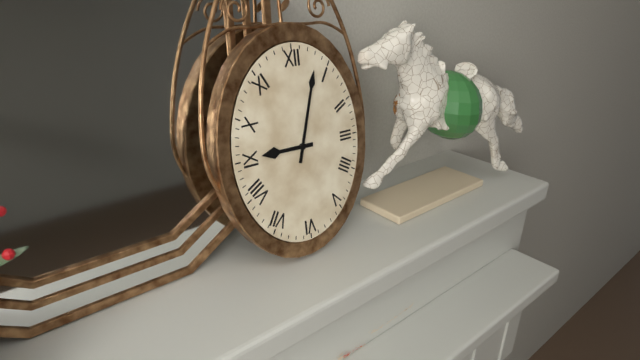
9:03
